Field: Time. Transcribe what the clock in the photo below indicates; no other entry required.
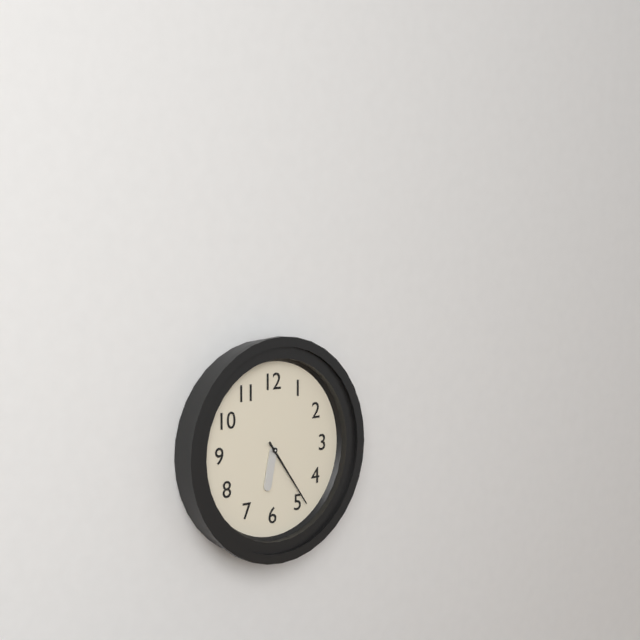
6:24
